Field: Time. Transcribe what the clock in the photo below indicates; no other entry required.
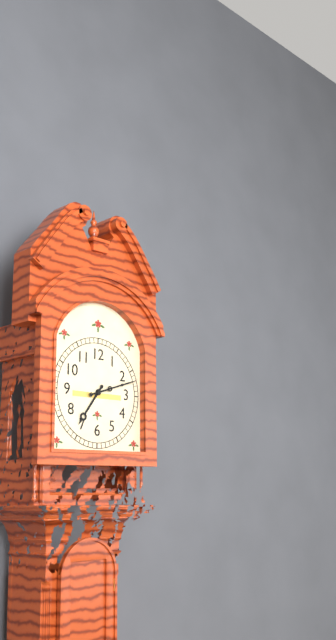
7:12
